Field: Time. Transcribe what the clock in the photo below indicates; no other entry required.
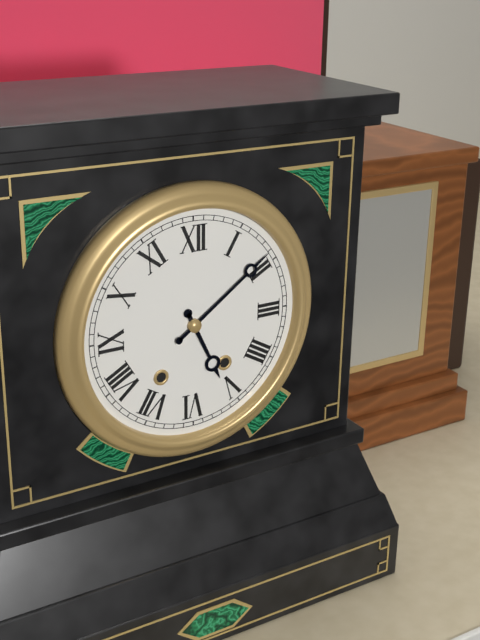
5:09
